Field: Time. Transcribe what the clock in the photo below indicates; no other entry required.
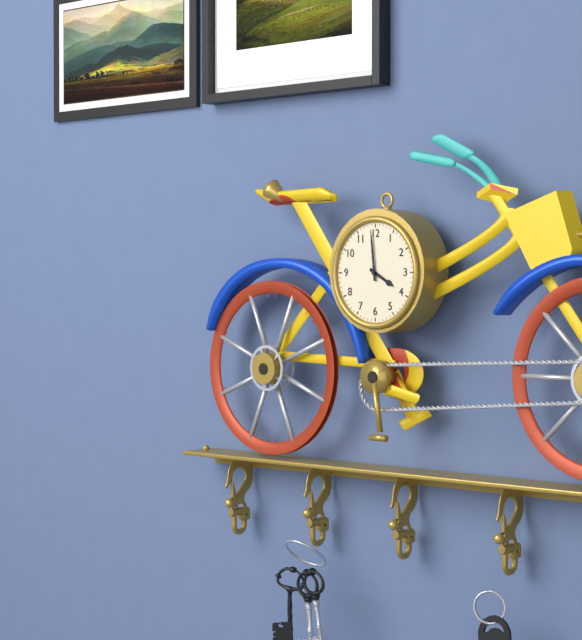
3:59
